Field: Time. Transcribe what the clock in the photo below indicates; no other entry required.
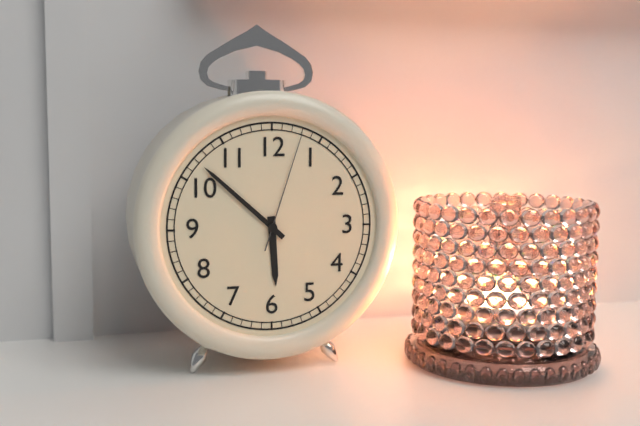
5:52:03
